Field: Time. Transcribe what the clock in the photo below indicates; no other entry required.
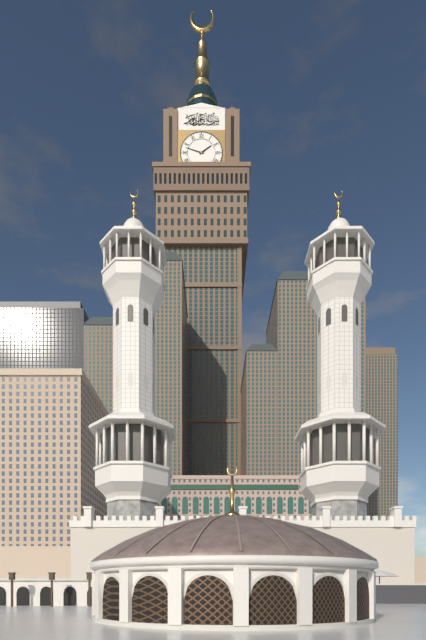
1:48
